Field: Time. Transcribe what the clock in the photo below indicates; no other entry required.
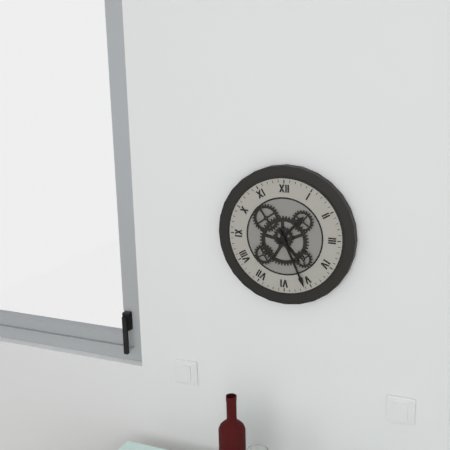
1:26
